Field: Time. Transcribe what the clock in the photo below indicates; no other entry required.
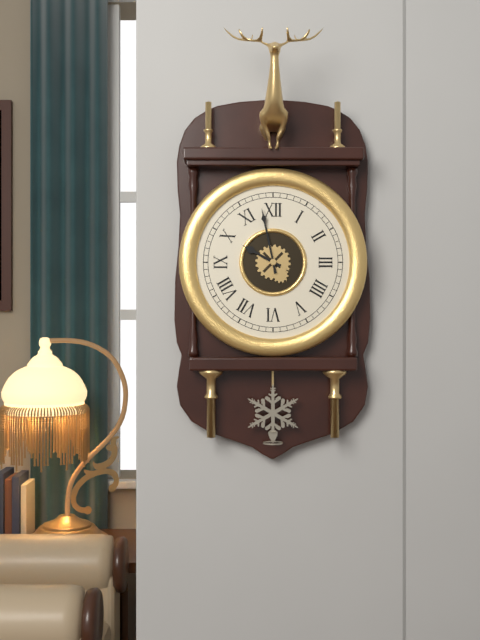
9:58
